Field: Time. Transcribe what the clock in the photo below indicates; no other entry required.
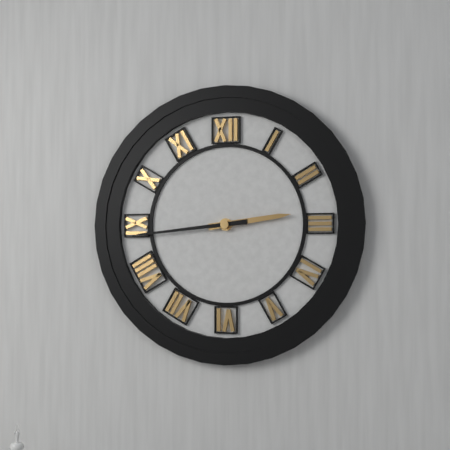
2:44
